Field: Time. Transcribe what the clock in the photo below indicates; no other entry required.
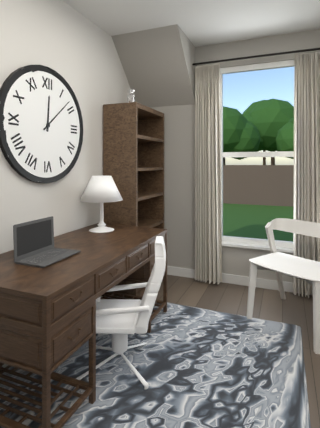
12:08
